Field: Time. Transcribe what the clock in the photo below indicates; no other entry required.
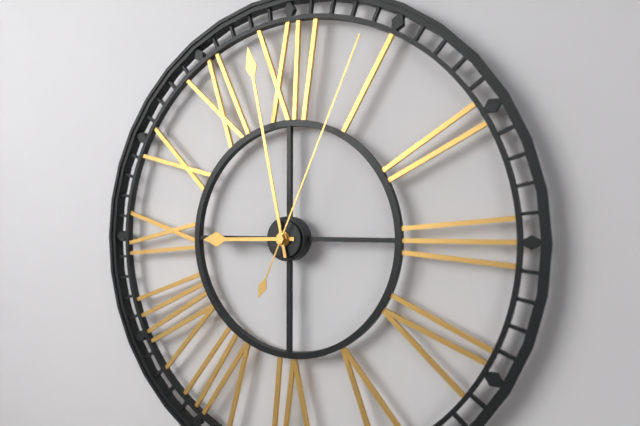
8:58:04
